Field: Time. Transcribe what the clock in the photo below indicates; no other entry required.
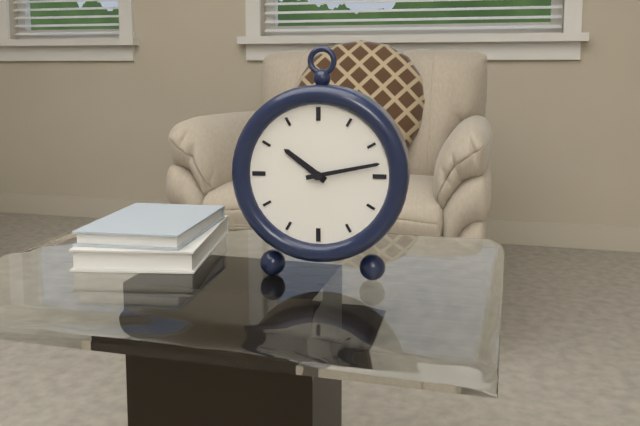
10:13
